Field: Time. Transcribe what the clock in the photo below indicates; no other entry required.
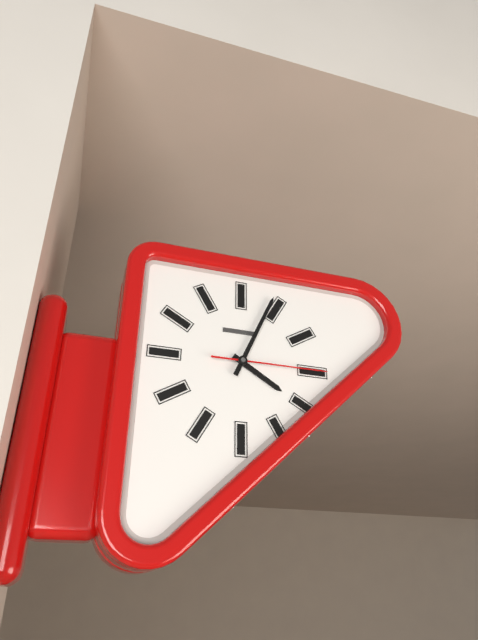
4:04:15
